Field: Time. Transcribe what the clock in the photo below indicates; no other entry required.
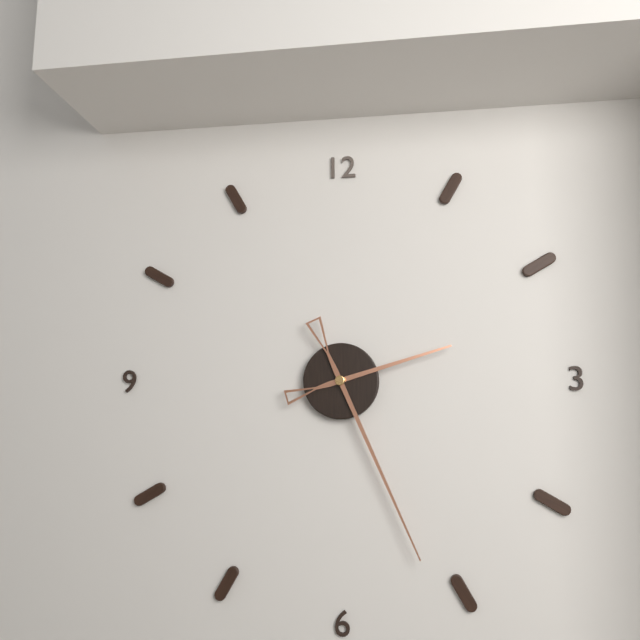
2:26
